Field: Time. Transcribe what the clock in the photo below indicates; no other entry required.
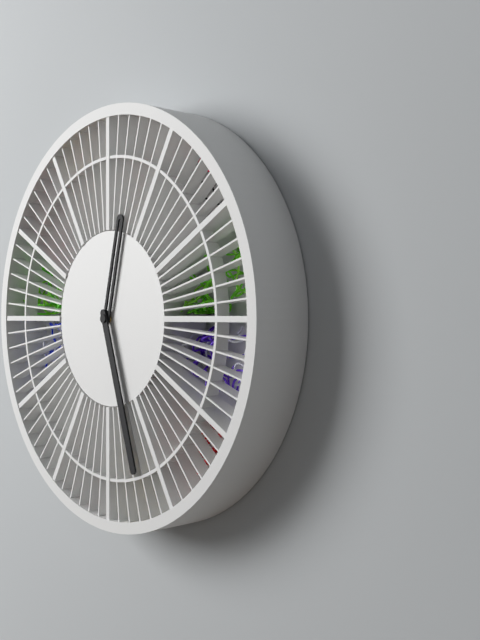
12:27
